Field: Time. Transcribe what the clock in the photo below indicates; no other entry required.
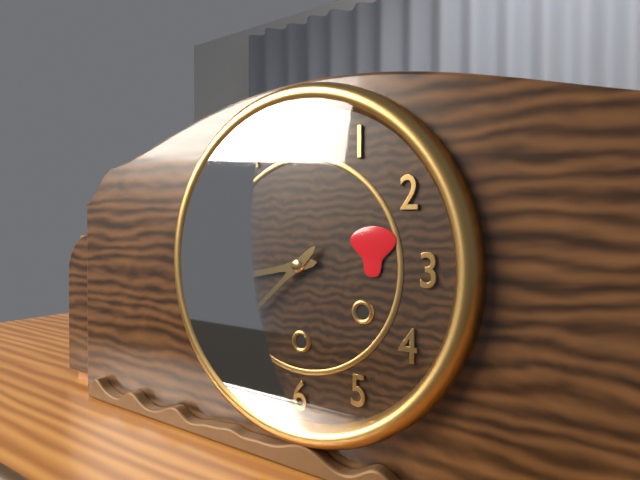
8:38
